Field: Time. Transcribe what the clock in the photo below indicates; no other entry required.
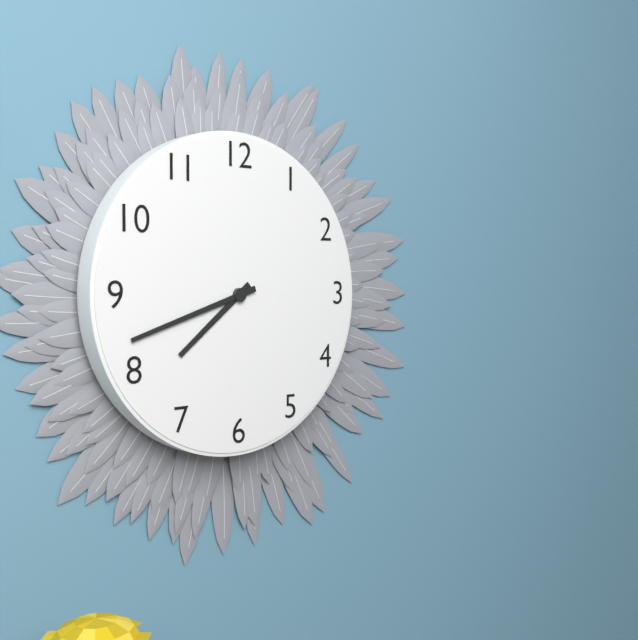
7:42
